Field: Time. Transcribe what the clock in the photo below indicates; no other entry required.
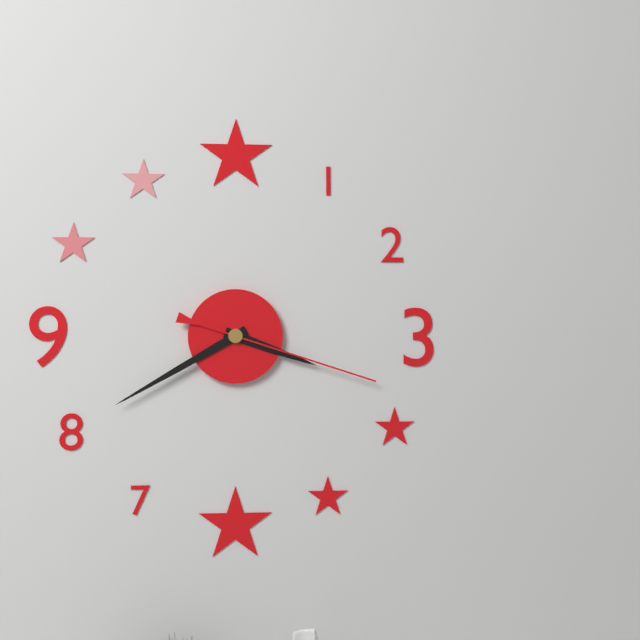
3:40:18
